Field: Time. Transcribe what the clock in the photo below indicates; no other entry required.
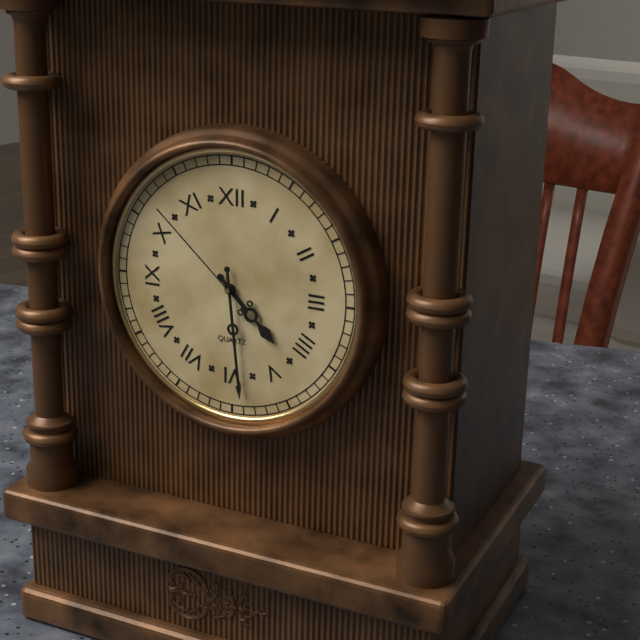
4:29:52
